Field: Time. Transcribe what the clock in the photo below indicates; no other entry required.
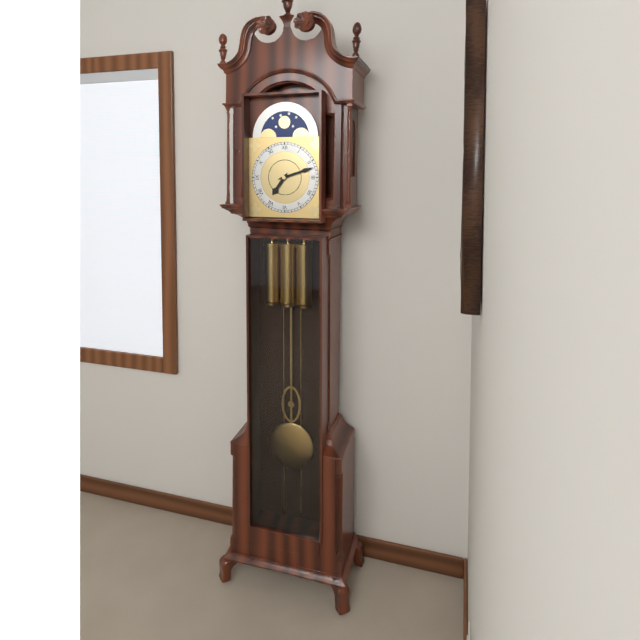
7:12
